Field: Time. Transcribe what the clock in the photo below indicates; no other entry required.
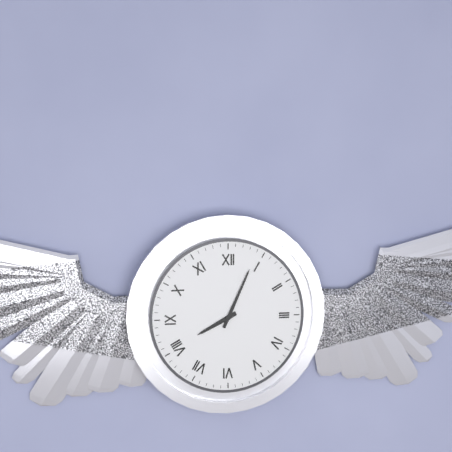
8:04
